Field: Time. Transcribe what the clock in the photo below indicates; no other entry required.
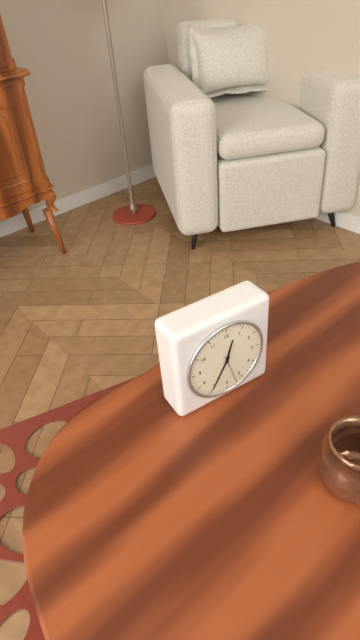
12:35
